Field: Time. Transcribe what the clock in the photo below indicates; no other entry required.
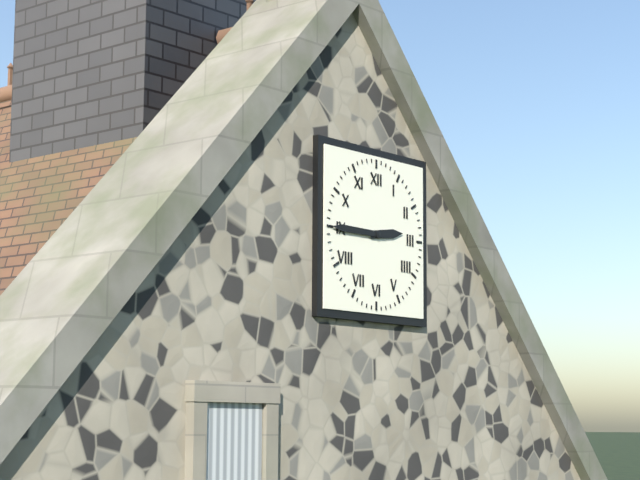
2:45
